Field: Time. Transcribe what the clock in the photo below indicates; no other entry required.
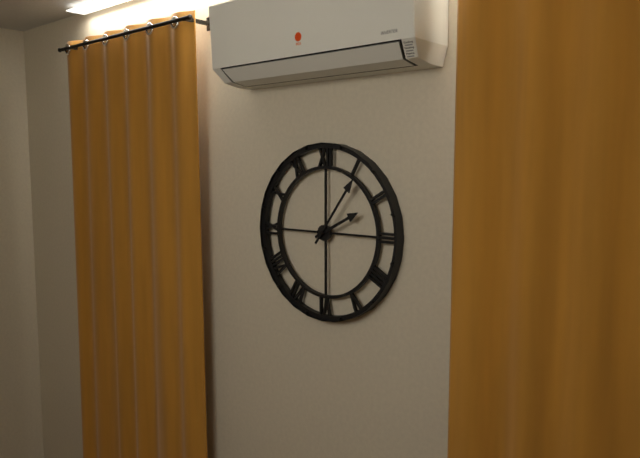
2:06
